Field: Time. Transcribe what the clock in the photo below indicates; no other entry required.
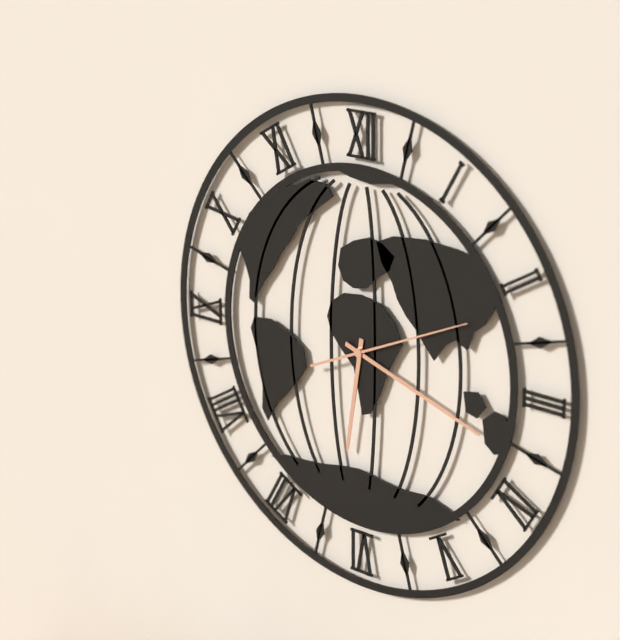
6:18:11
